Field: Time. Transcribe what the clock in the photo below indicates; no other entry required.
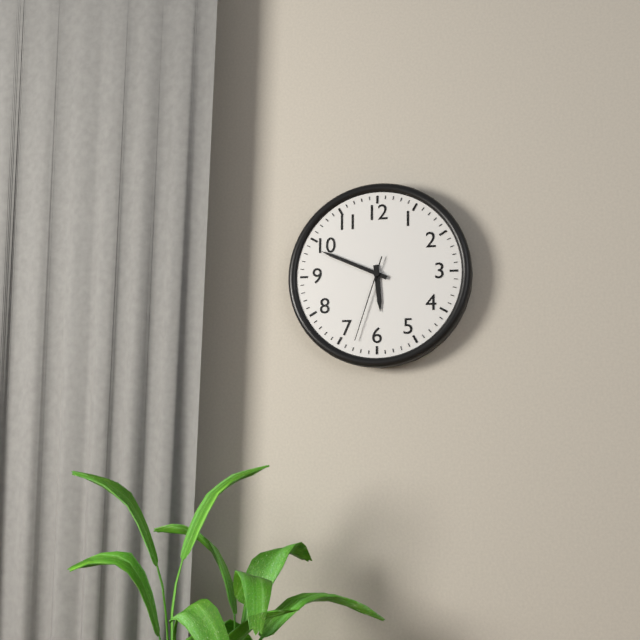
5:49:33
